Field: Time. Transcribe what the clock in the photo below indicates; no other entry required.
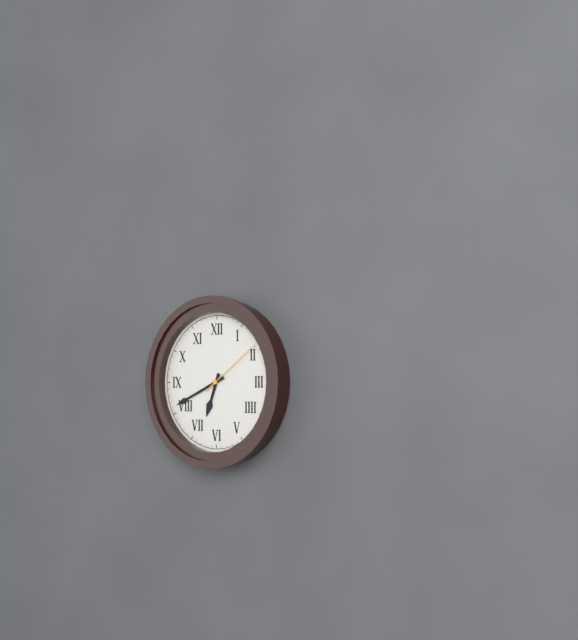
6:41:09
